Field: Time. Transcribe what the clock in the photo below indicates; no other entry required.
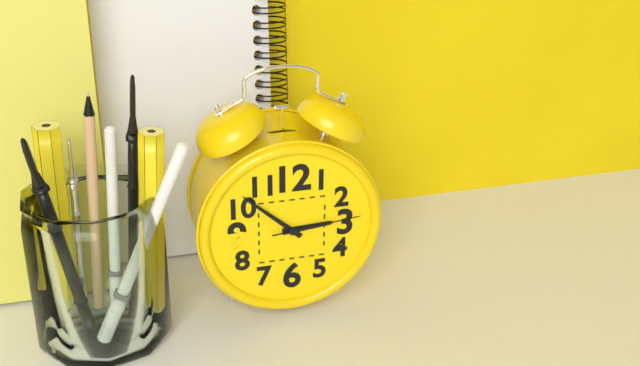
2:52:14
